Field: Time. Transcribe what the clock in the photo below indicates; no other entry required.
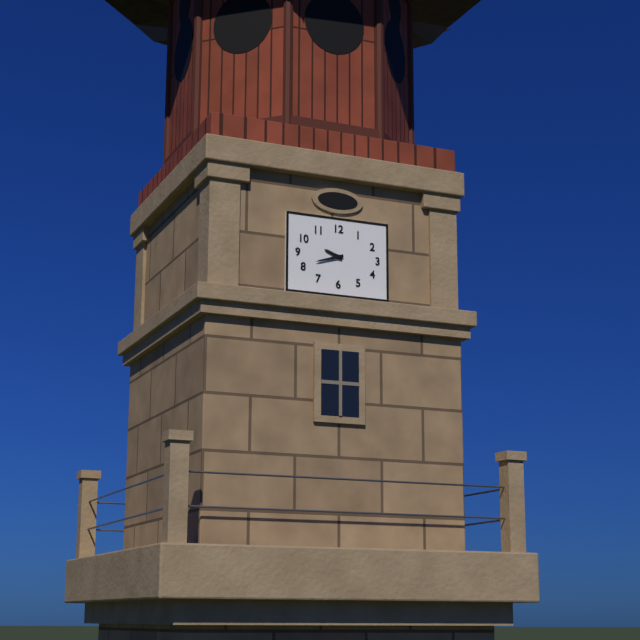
9:42
